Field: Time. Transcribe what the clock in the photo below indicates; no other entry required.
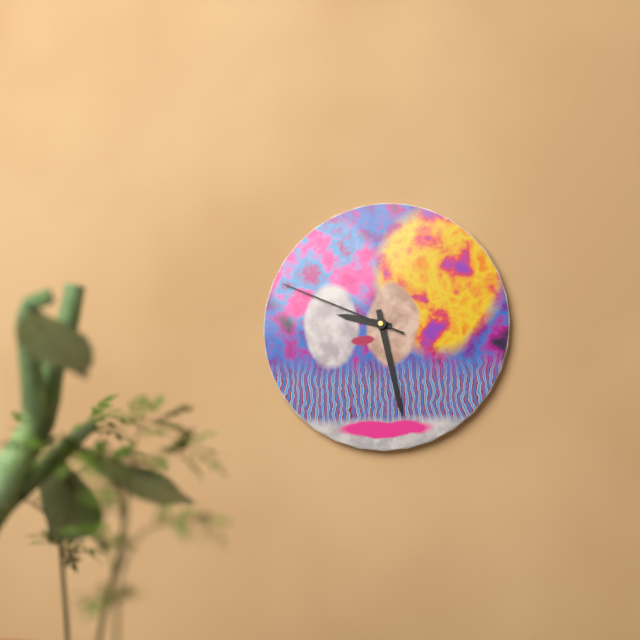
9:28:49
